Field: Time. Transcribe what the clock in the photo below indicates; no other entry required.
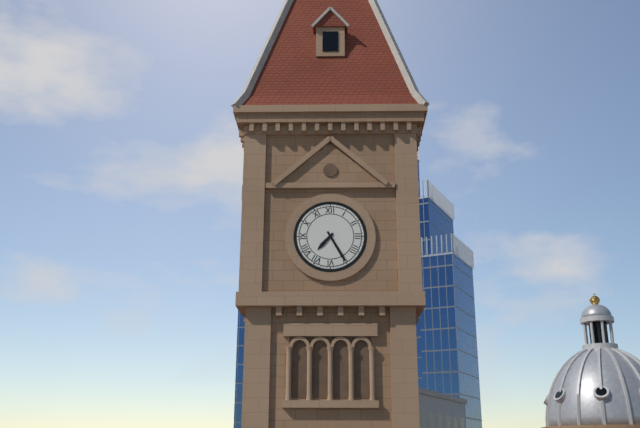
7:25
